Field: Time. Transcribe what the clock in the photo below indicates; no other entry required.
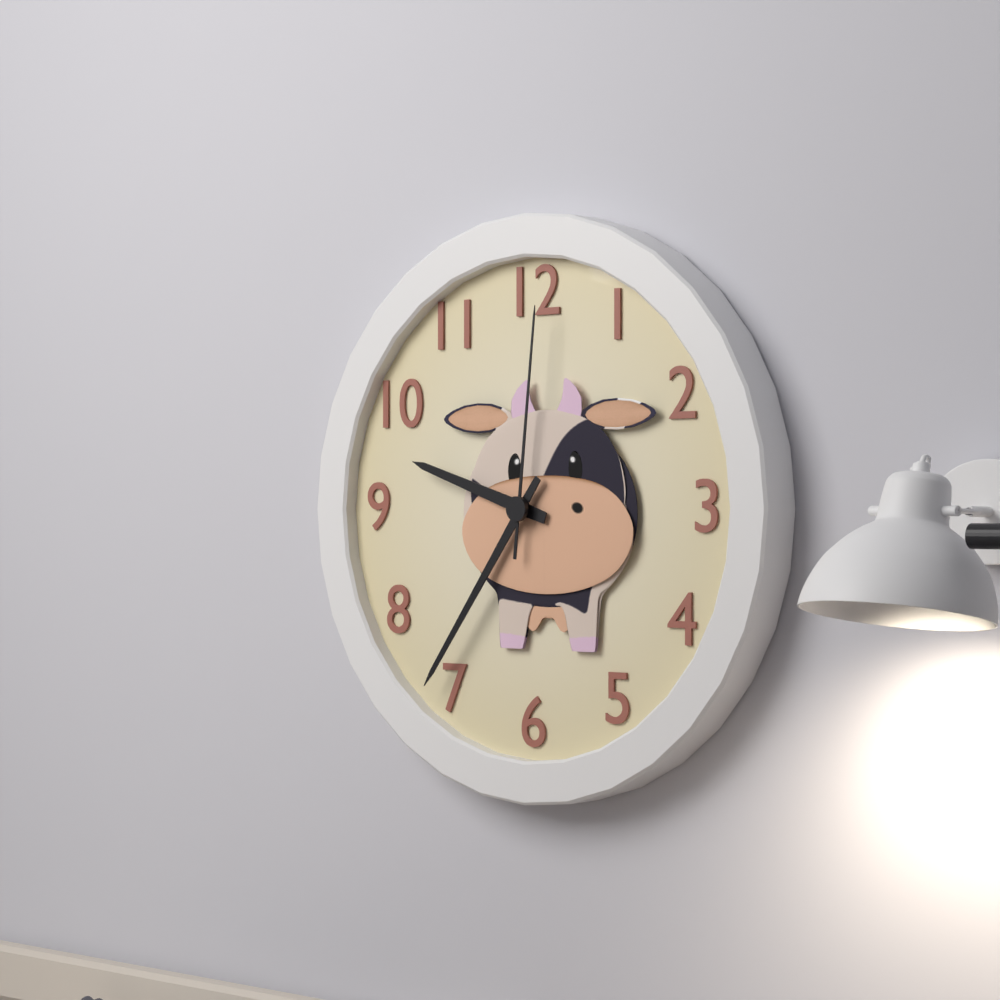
9:36:01
